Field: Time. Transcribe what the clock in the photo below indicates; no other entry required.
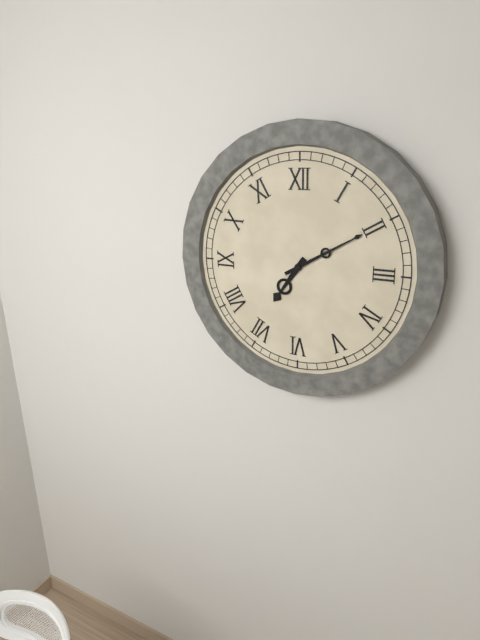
7:10
